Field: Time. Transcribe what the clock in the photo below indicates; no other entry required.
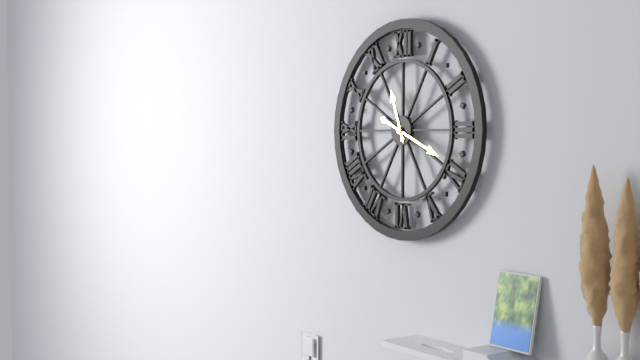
11:19
